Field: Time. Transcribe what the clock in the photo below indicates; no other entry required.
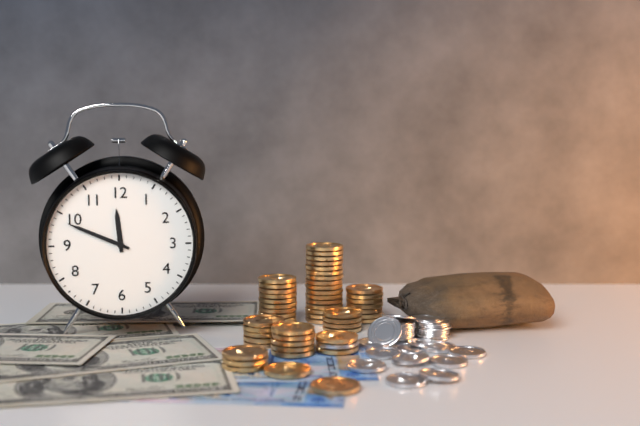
11:49
